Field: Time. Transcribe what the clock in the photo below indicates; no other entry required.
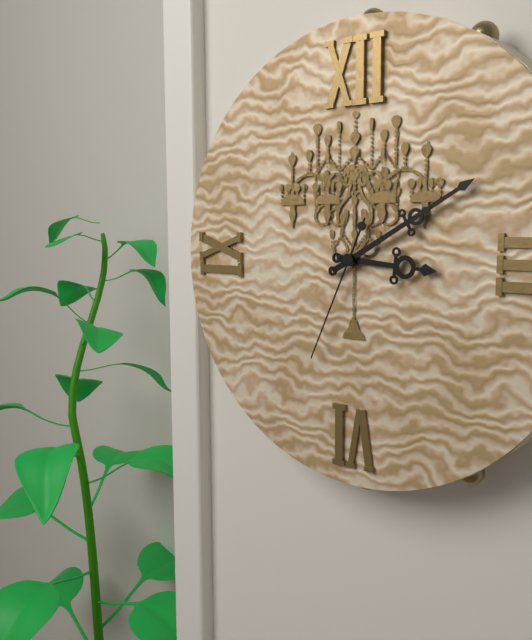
3:10:34
